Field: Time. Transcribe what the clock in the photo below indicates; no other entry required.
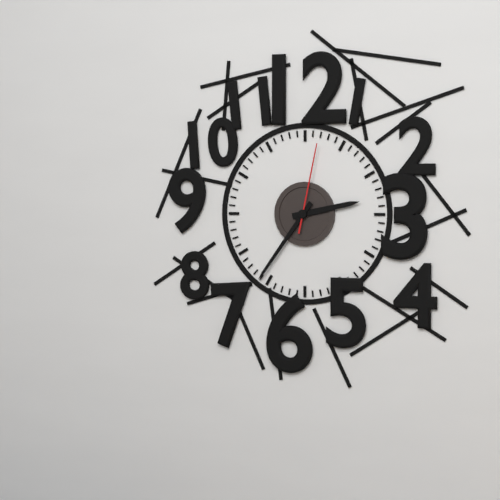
2:36:02
